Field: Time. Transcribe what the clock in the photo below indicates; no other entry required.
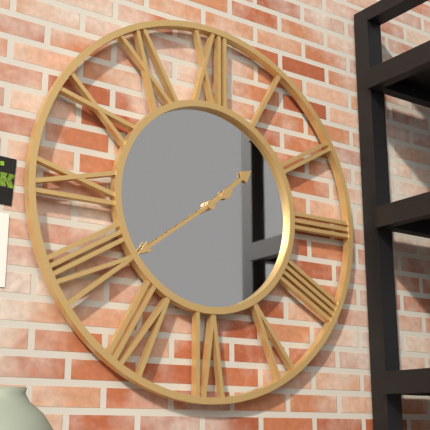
1:39
